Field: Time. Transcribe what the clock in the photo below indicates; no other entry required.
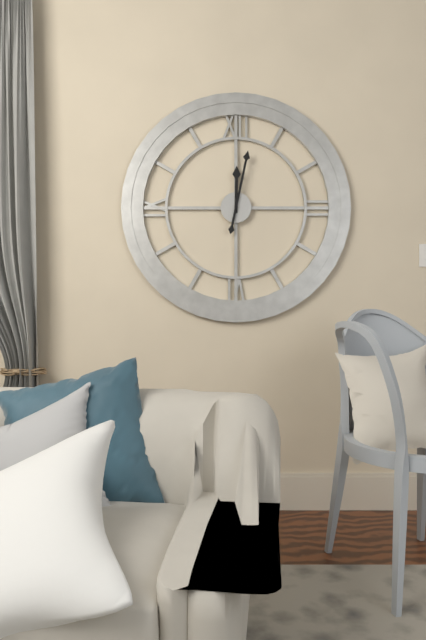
12:02
